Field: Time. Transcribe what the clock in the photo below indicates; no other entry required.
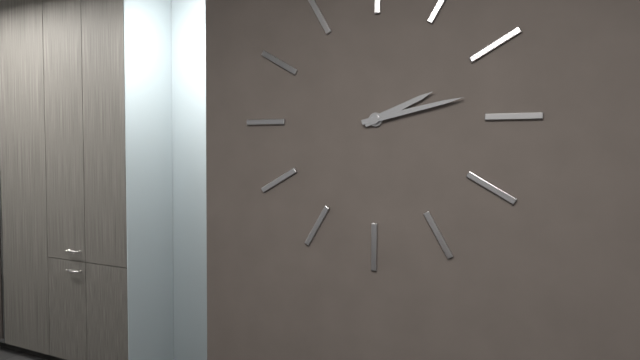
2:13
